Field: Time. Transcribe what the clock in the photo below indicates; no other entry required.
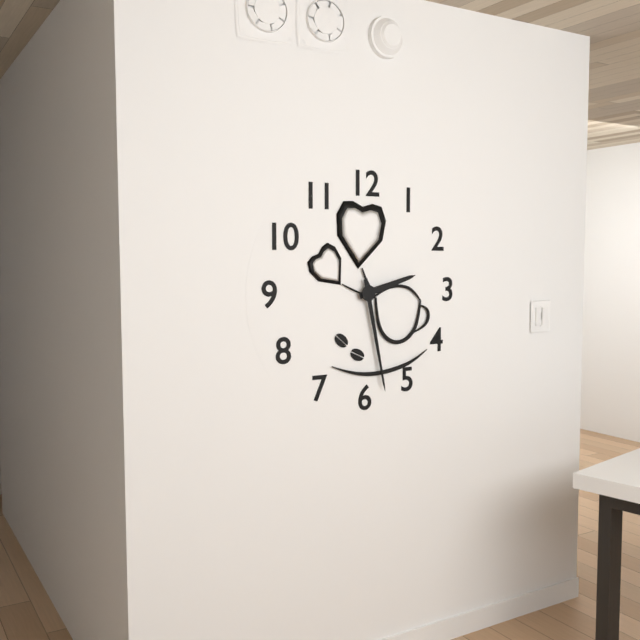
2:28
